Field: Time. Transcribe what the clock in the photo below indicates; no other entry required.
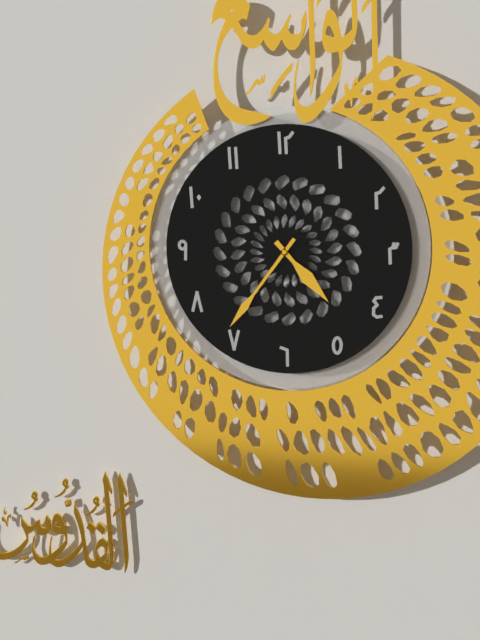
4:36
